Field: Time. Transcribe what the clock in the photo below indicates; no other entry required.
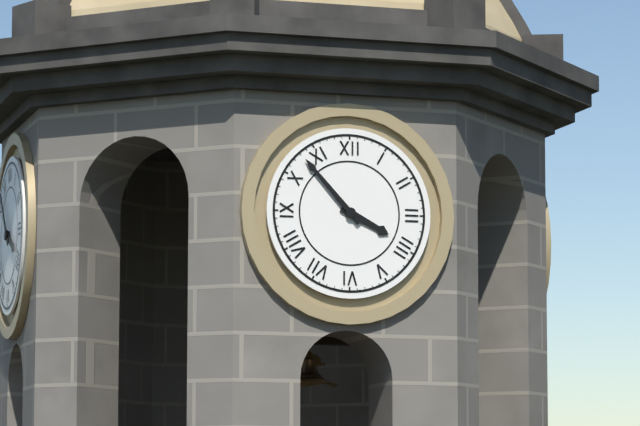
3:53
